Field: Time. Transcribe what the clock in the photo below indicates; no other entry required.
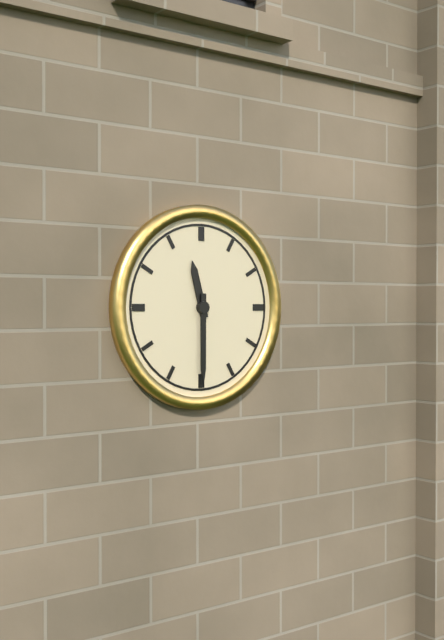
11:30
